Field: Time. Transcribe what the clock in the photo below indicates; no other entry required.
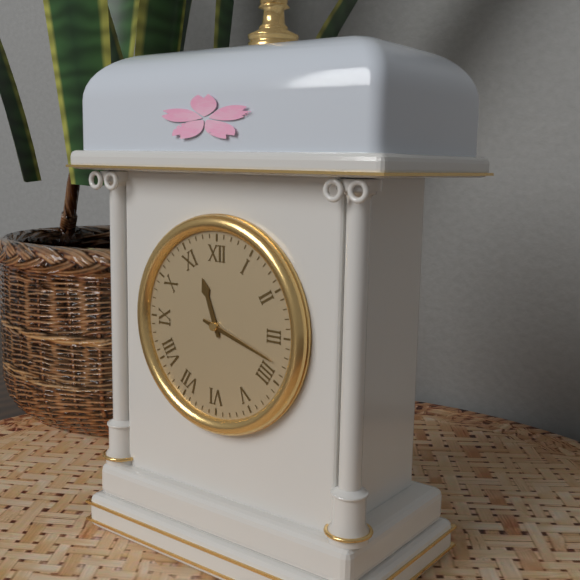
11:18
